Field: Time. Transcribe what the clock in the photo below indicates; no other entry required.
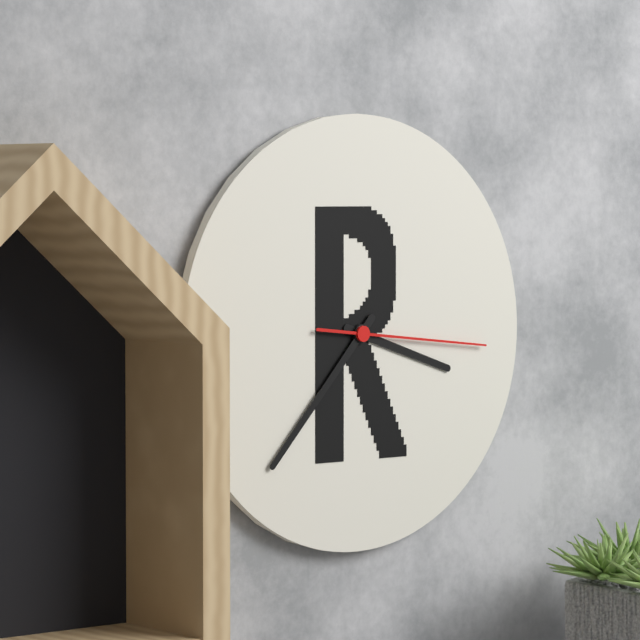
3:37:16
